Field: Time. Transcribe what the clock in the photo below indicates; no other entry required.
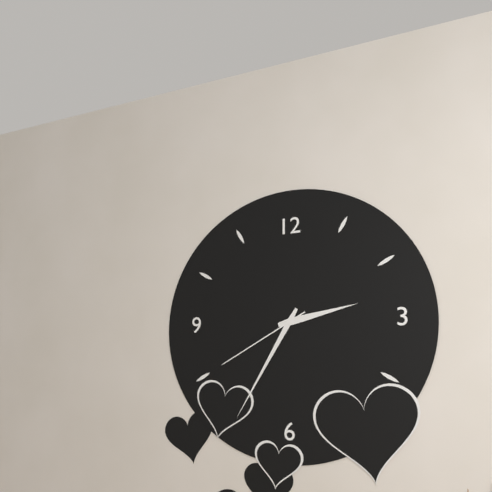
2:35:40
